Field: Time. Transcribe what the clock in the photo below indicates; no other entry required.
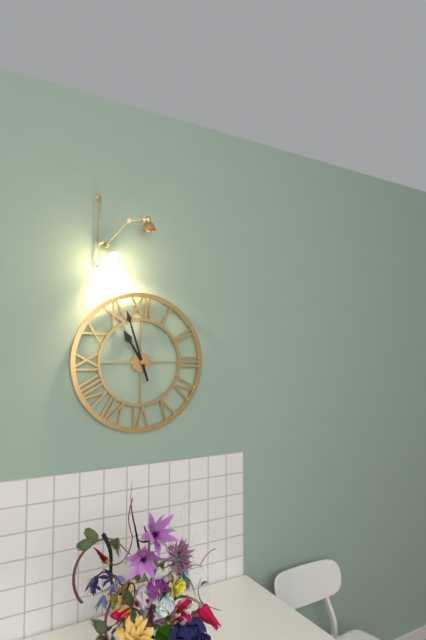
10:57
